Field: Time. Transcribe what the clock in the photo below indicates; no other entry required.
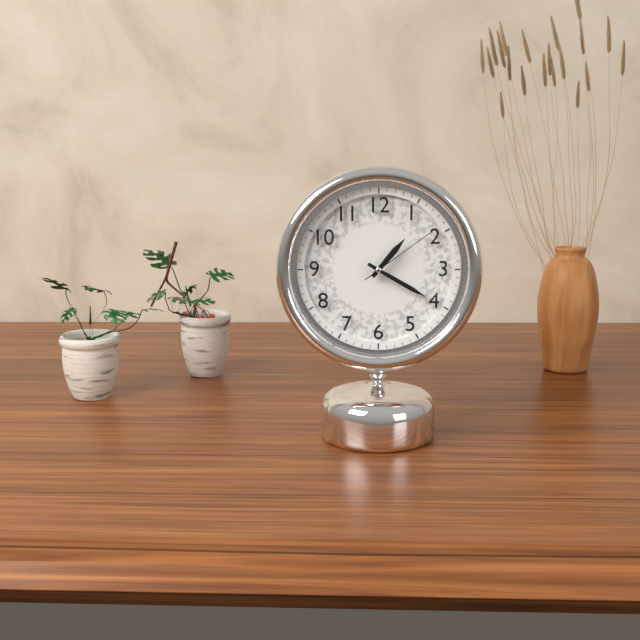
1:20:09
